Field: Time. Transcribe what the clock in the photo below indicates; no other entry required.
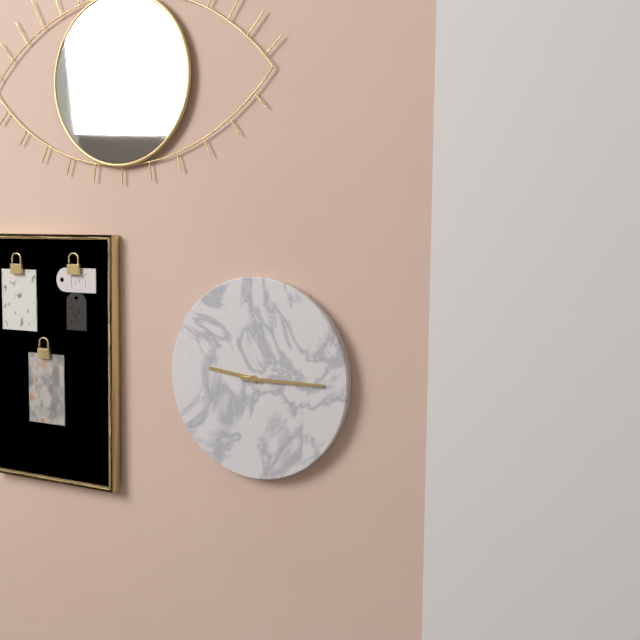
9:15
